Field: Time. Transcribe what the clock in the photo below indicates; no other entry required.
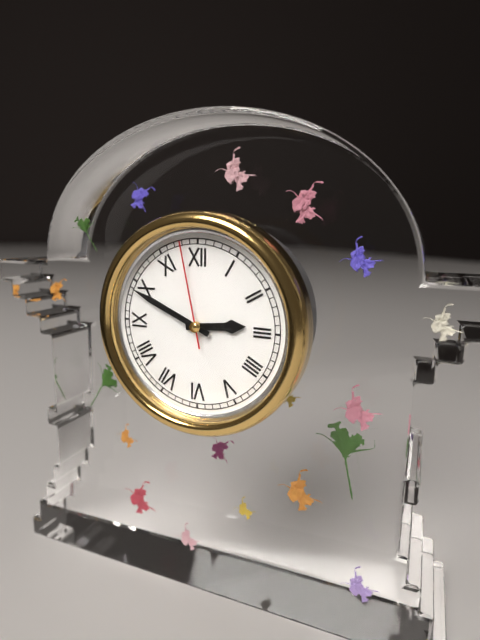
2:49:58
